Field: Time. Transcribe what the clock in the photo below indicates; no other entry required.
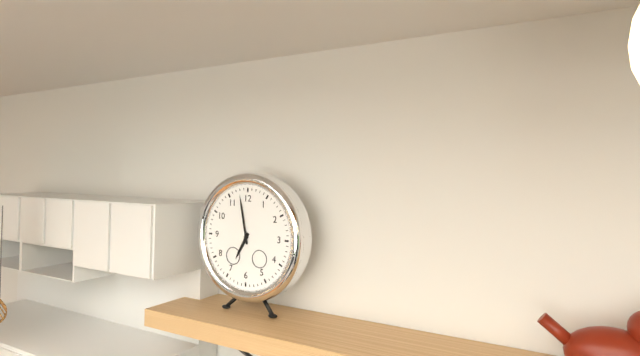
6:58
